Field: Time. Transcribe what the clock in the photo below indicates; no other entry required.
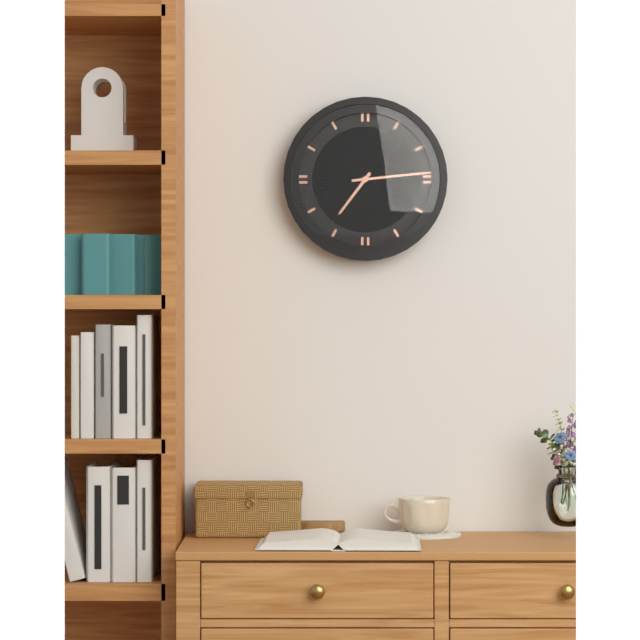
7:14
